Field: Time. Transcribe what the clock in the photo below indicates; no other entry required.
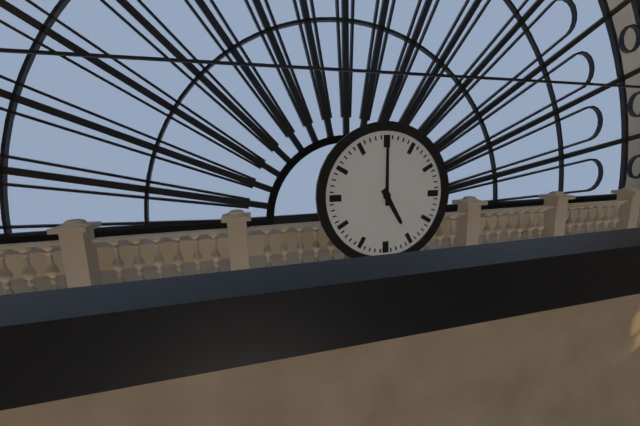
5:00
